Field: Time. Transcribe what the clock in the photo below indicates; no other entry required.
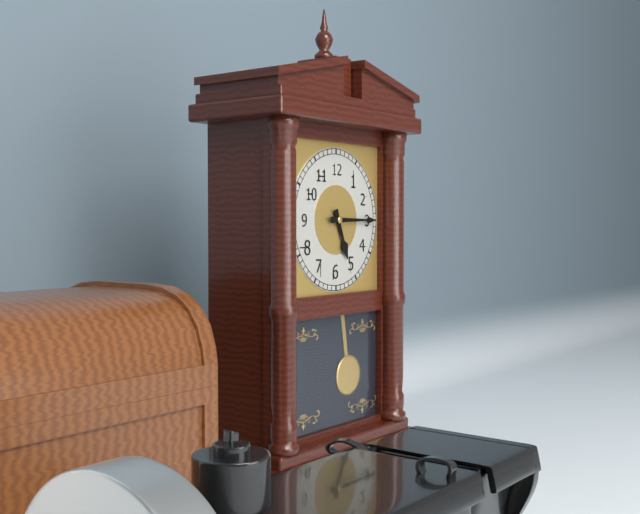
5:15
